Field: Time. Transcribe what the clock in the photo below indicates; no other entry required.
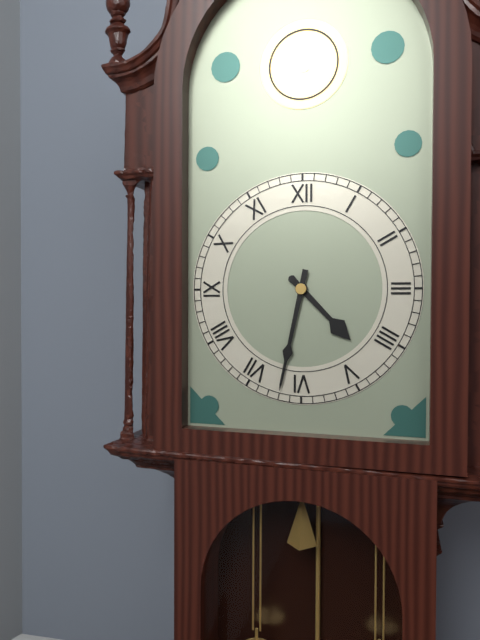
4:32
